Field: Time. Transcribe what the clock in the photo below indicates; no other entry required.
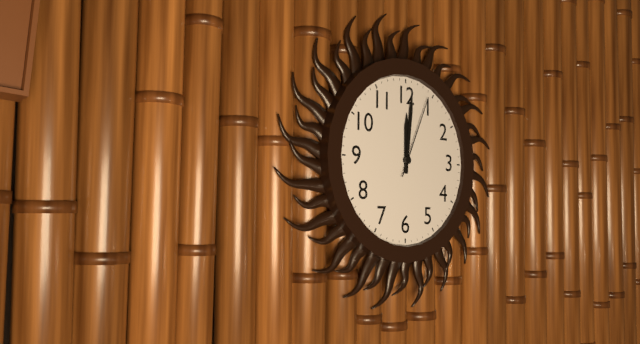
12:01:04
